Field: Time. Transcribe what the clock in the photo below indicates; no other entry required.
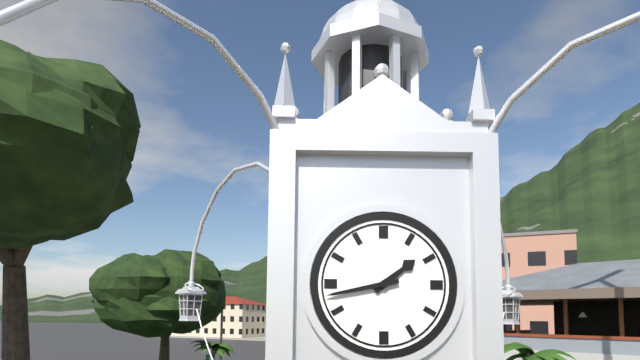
1:43
